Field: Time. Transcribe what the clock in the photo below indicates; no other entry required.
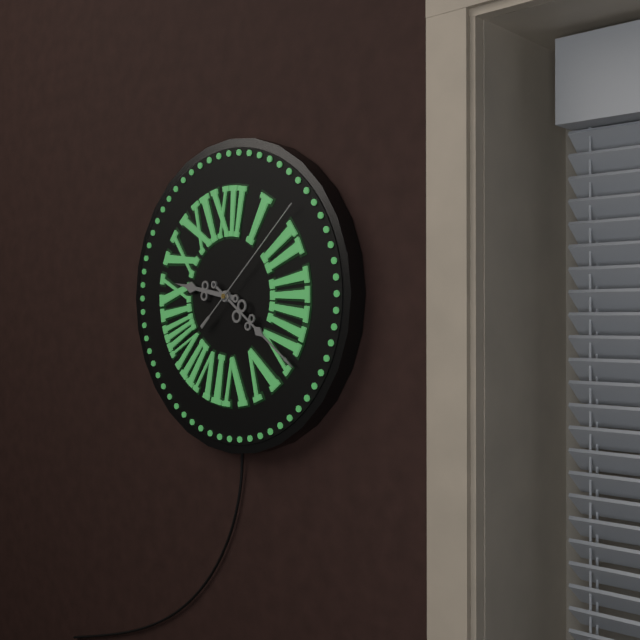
9:21:08
